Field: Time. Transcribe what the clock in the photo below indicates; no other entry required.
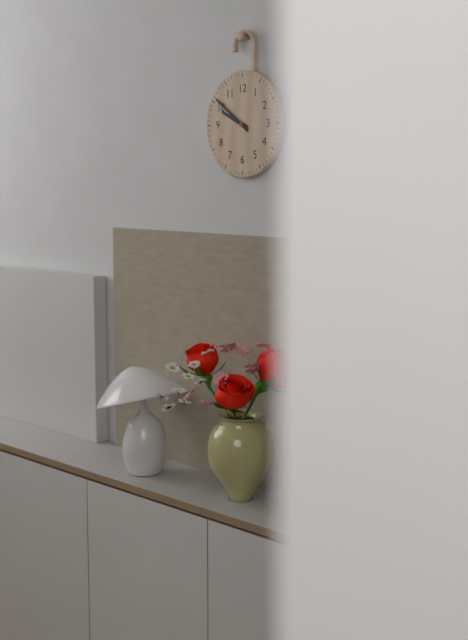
9:51
